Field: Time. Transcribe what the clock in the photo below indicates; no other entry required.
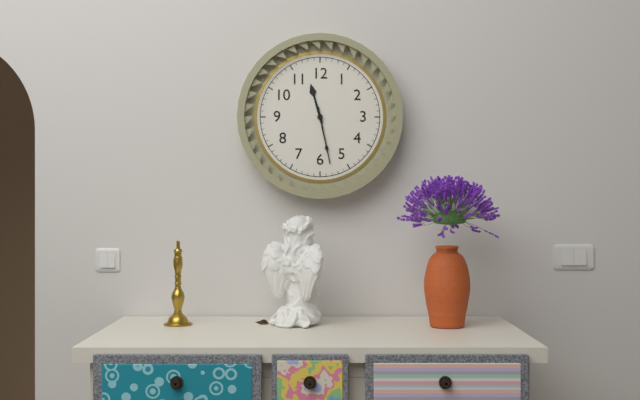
11:28
